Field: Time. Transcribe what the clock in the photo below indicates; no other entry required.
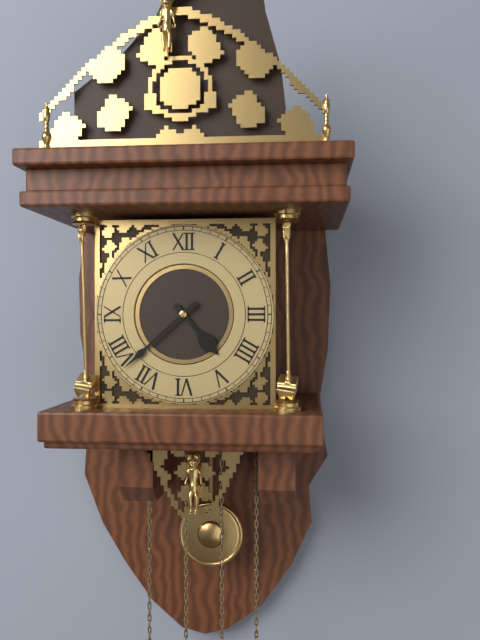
4:38
